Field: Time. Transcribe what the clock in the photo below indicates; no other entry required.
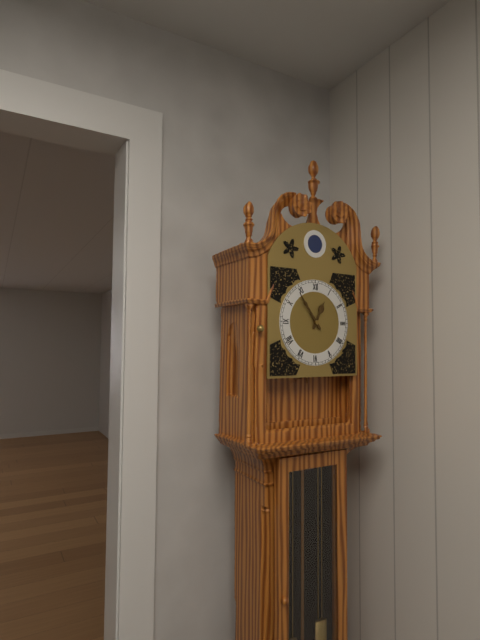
12:54
